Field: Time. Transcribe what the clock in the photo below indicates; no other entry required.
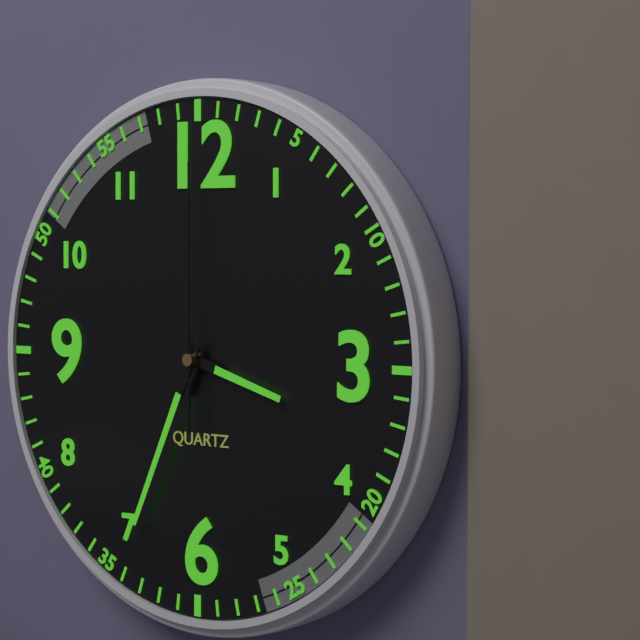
3:34:00
